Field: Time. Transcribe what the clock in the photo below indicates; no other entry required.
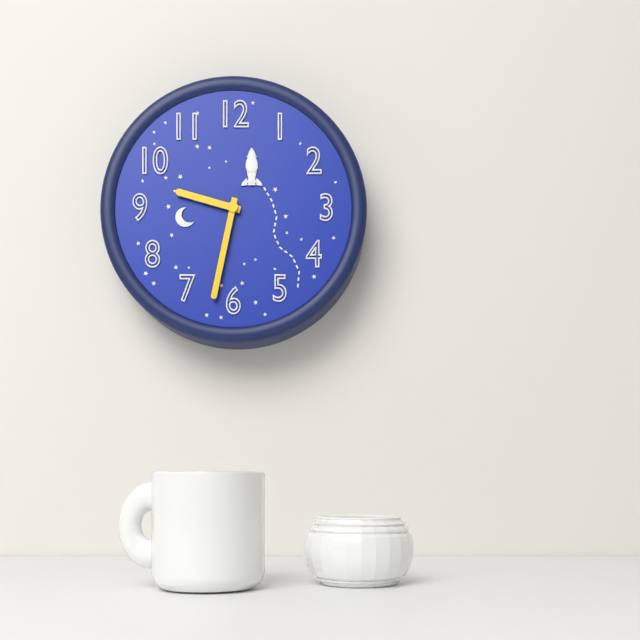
9:32
